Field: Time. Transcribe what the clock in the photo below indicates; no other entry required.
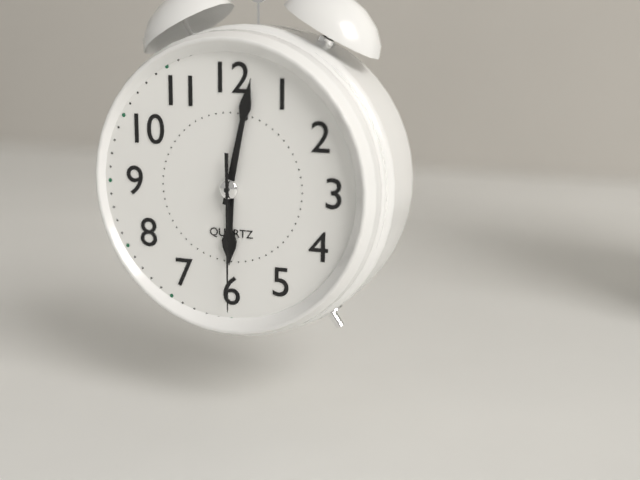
6:02:30
